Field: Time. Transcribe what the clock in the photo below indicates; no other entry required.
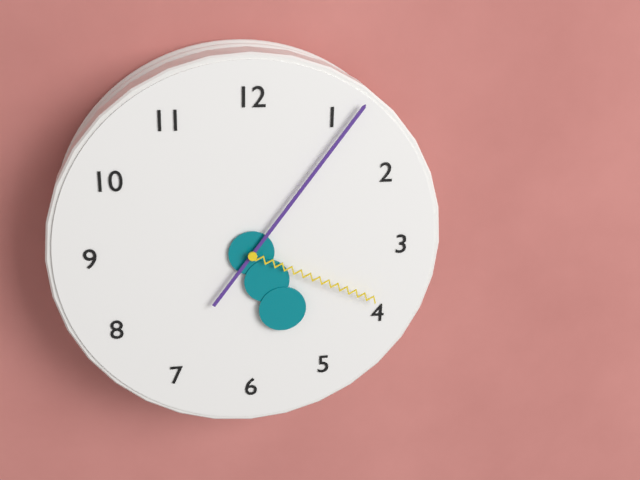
5:06:19
